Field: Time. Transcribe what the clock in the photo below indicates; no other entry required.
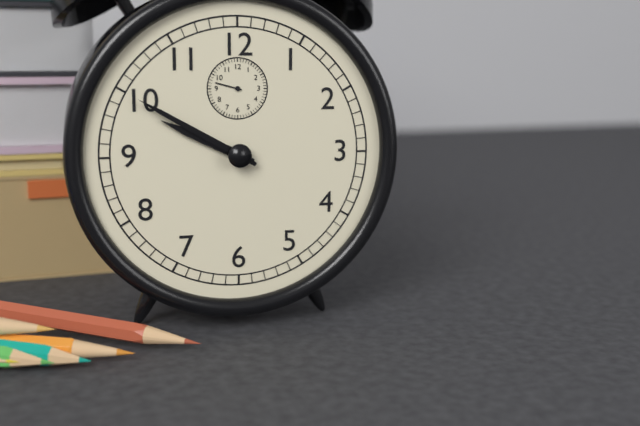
9:50
